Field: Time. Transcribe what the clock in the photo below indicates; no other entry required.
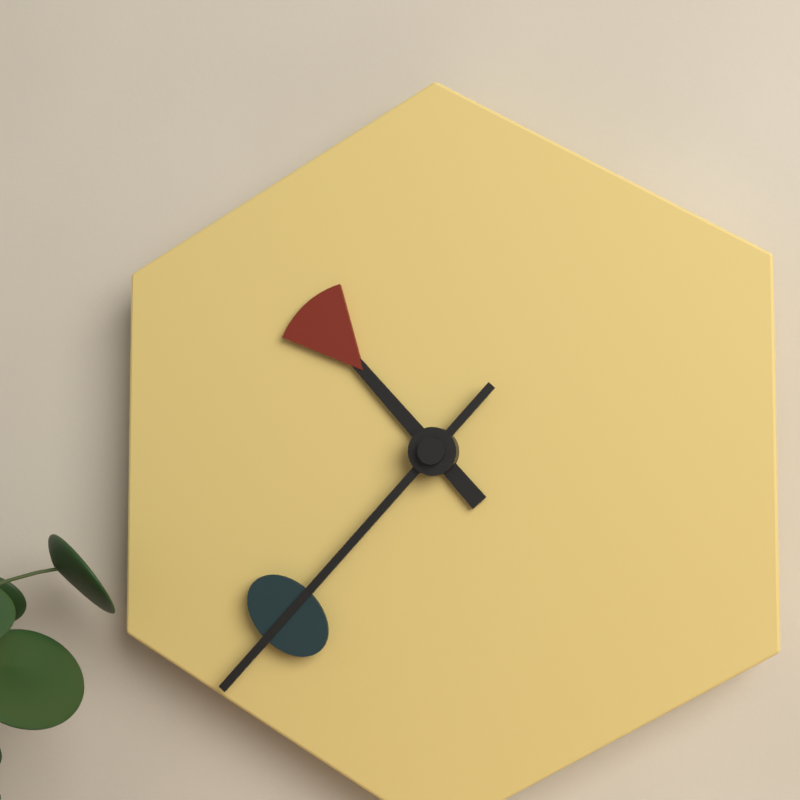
10:37
